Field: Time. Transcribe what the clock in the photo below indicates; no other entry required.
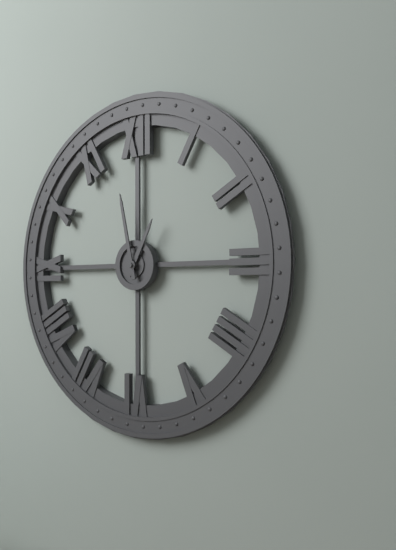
12:58
